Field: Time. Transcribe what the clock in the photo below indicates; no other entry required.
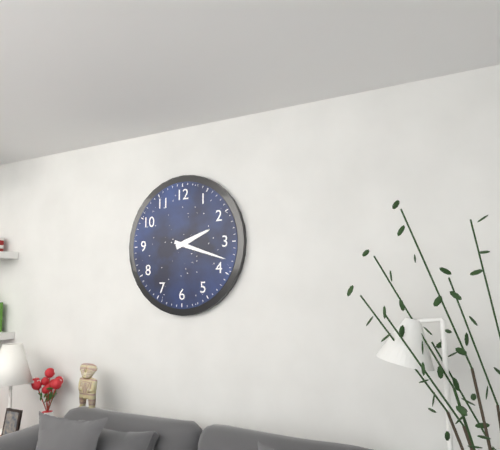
2:18
